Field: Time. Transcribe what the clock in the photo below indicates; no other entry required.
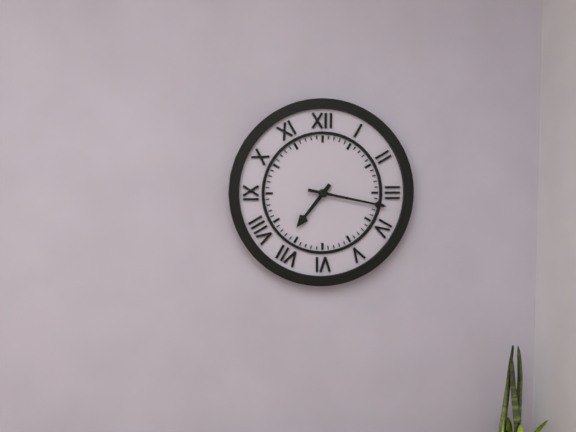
7:17
